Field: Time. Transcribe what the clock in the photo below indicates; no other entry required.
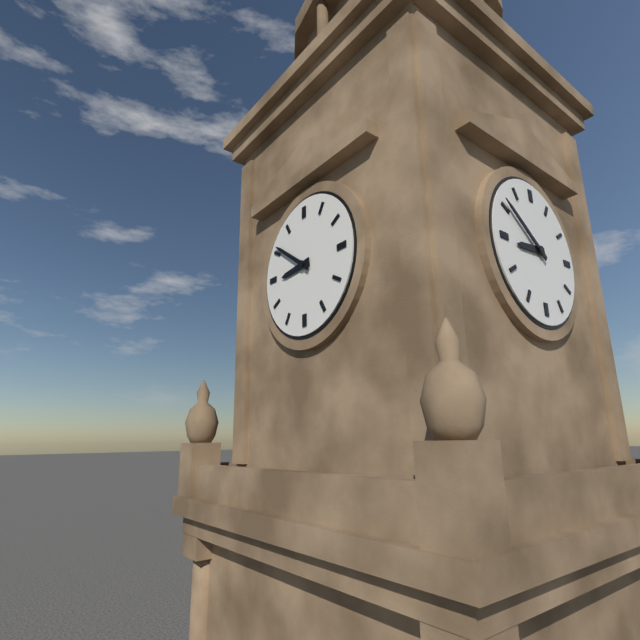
8:51
